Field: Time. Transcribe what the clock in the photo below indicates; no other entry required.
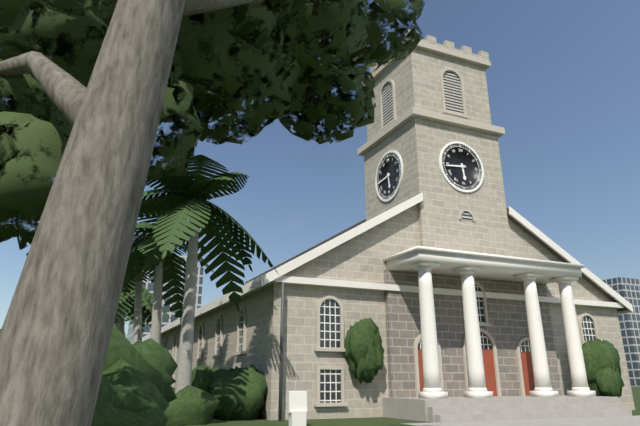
5:44
